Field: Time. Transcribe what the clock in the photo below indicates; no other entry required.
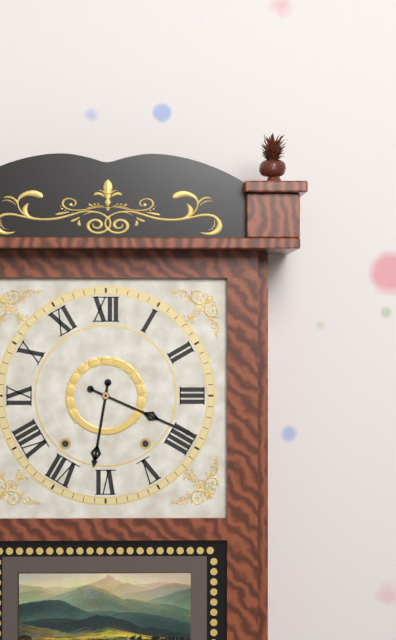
6:19
